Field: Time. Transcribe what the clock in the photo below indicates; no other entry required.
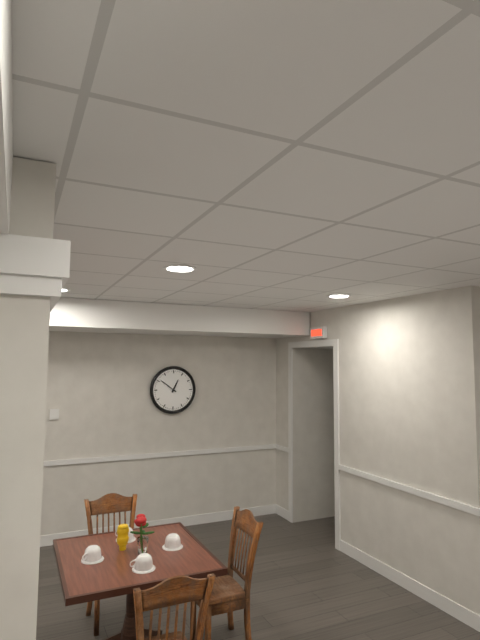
12:51
